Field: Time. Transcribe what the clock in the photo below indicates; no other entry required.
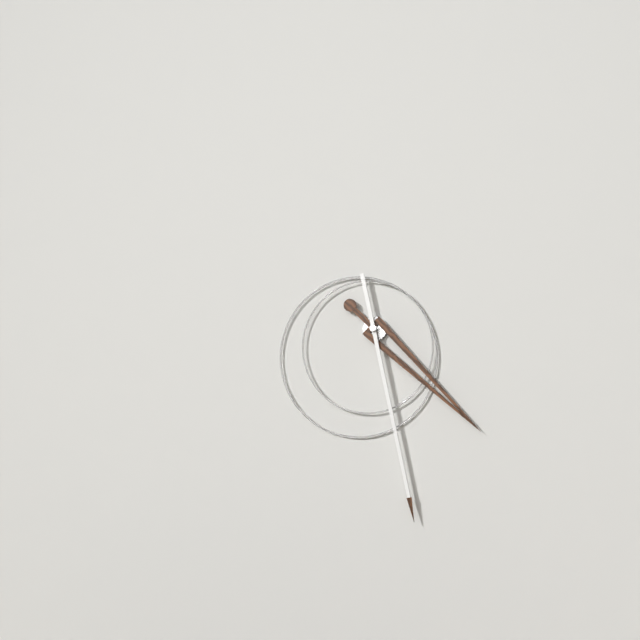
4:28
